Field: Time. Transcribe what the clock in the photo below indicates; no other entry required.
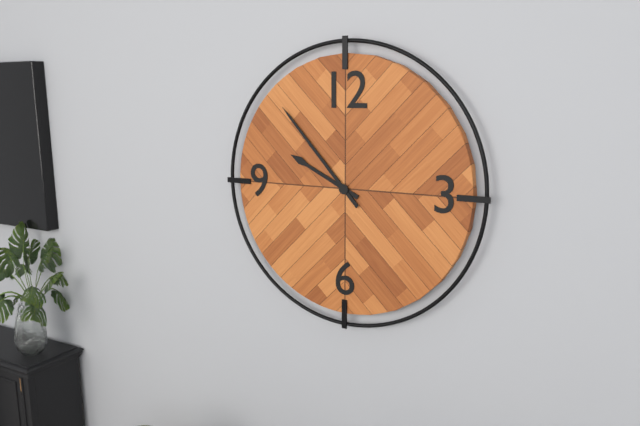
9:53
